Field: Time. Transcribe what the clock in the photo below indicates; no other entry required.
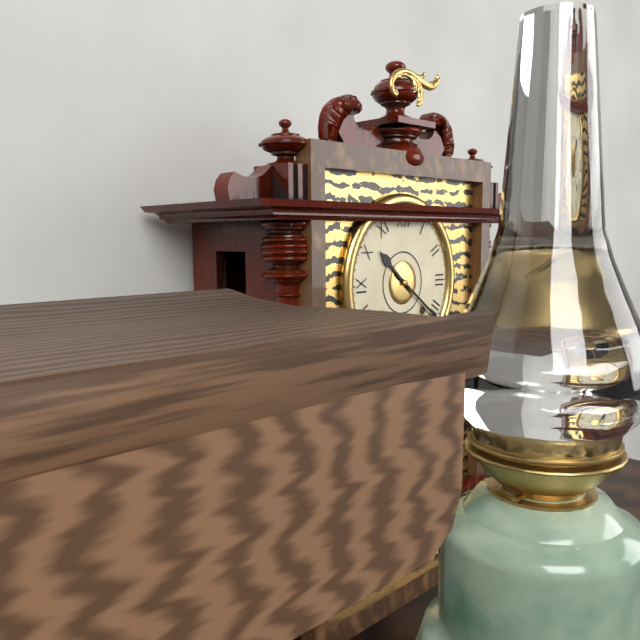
10:21
